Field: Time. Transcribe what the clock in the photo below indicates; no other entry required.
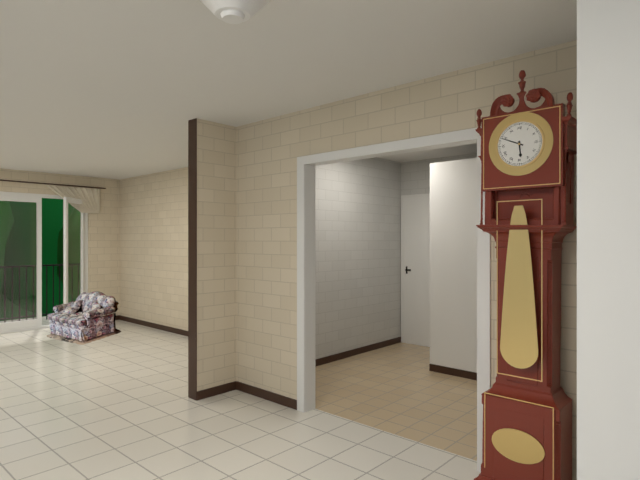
5:49
